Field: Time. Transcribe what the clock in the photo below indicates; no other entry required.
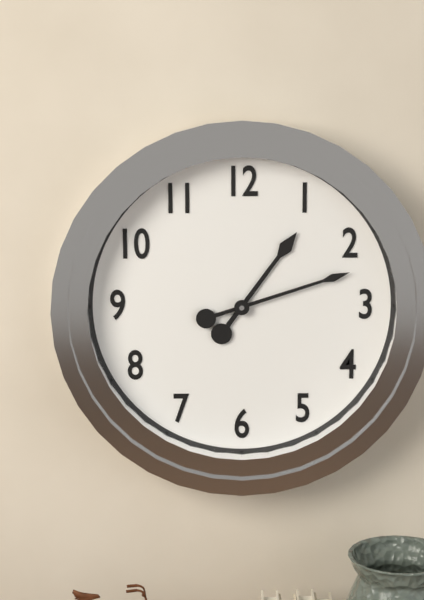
1:12
